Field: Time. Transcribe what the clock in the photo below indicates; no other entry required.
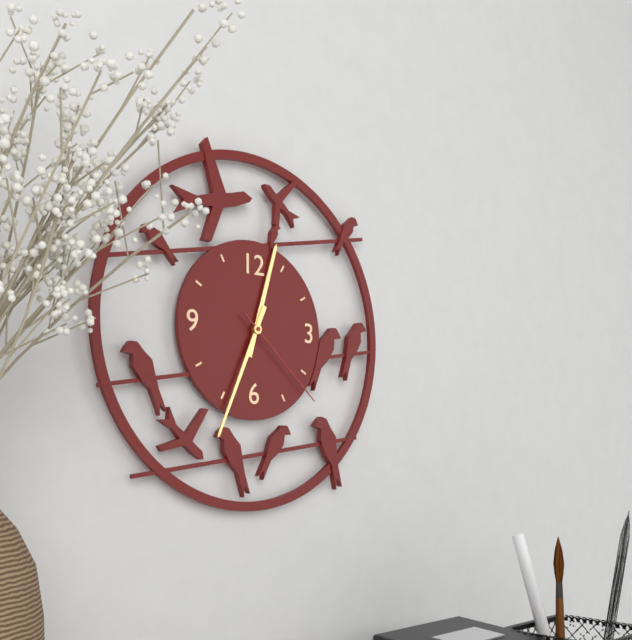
12:34:22
